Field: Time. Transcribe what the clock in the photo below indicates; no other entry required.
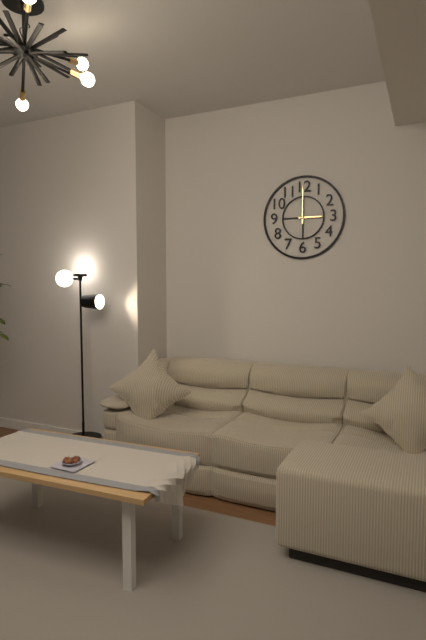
3:00
